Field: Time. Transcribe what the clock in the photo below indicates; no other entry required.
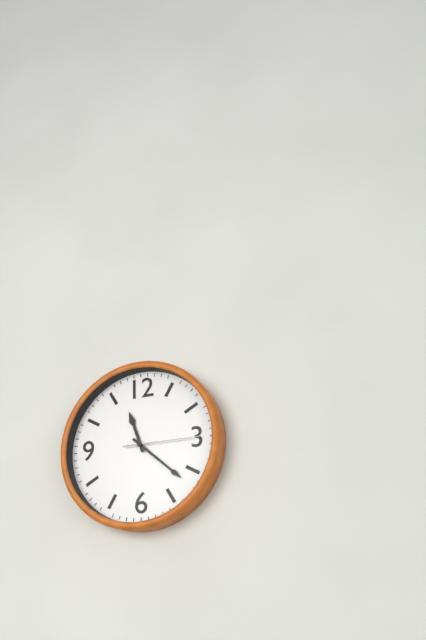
11:22:15
